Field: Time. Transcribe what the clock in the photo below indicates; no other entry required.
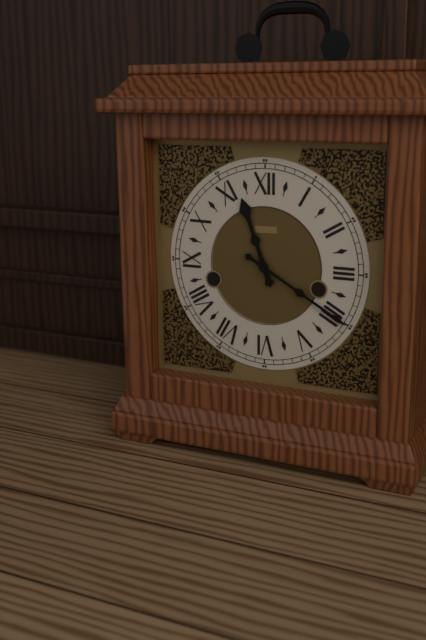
11:20
